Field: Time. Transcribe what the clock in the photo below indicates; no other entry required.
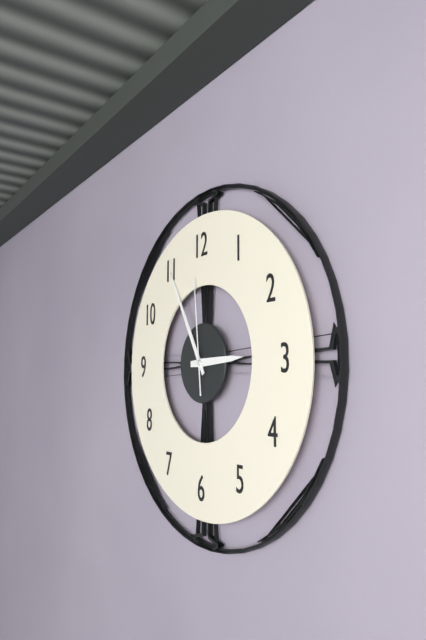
2:55:59
